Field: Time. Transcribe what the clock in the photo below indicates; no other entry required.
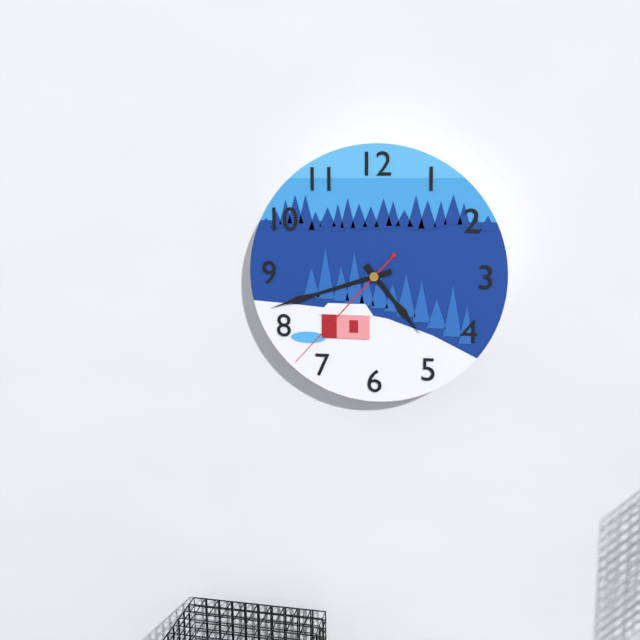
4:42:37
